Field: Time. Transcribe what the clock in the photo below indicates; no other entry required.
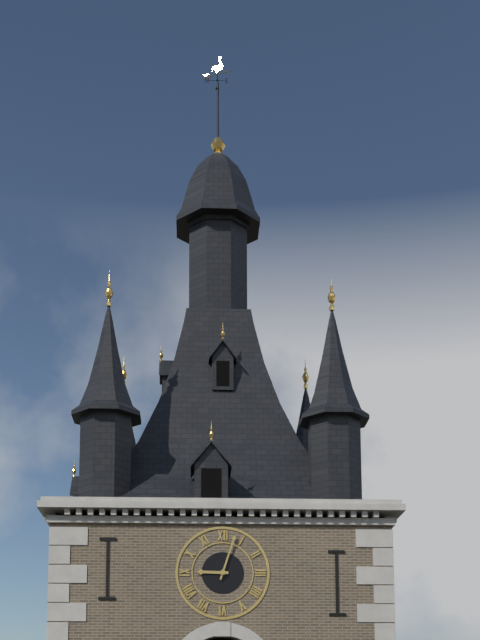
9:03
